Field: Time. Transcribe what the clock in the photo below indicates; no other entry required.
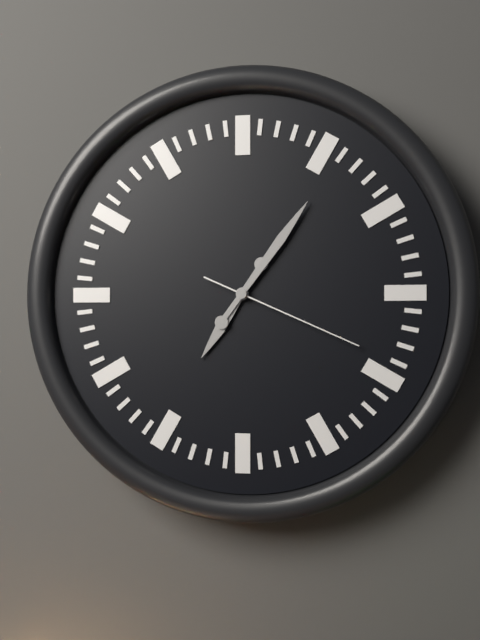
7:06:19
